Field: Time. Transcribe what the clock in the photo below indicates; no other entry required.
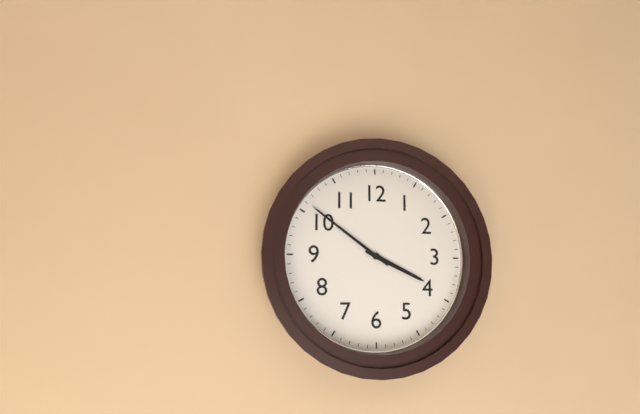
3:51
